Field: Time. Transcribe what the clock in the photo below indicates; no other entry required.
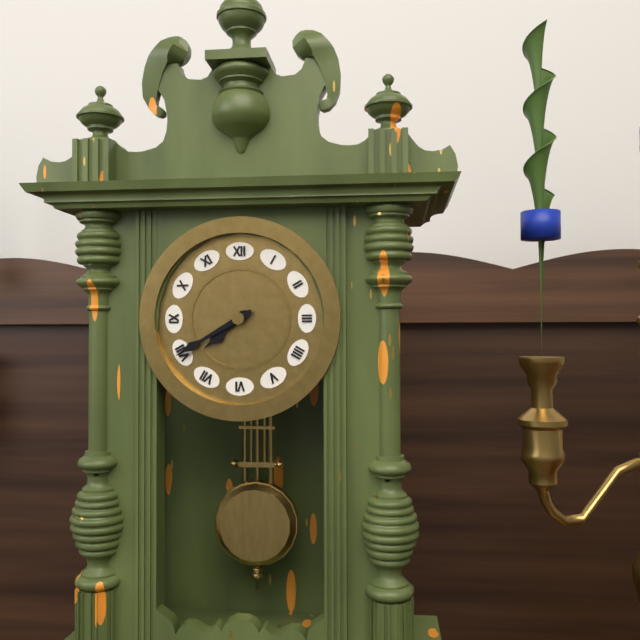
7:40
